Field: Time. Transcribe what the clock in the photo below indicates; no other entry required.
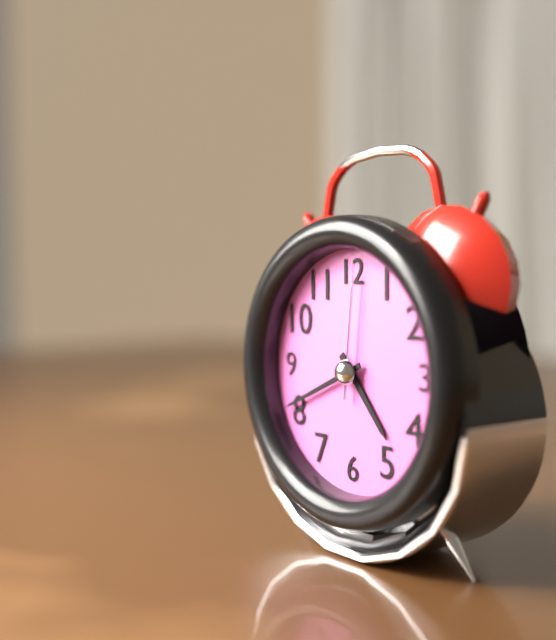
4:41:01
